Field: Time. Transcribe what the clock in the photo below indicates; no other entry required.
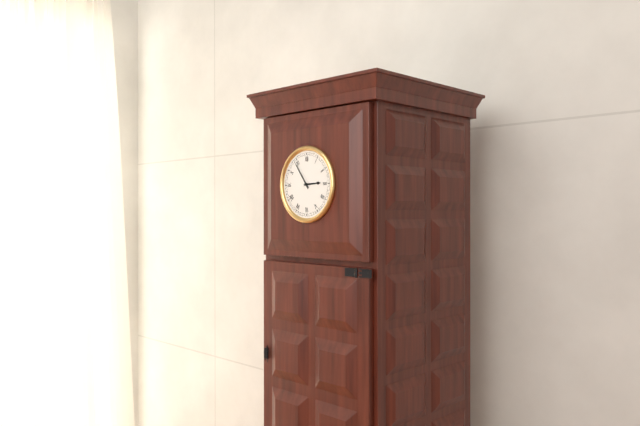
2:54
